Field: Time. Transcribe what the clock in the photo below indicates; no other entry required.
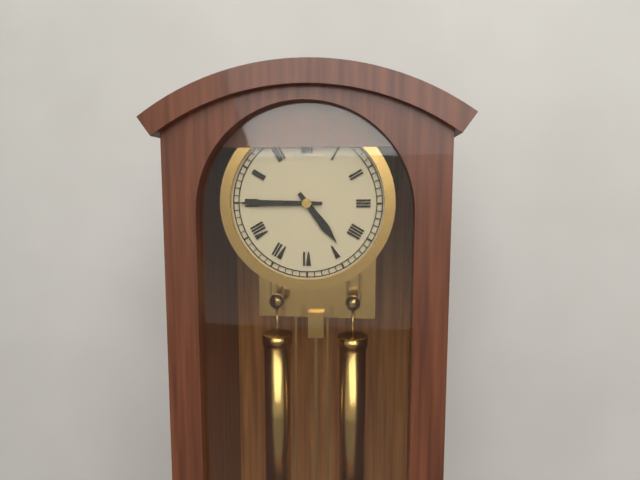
4:45
